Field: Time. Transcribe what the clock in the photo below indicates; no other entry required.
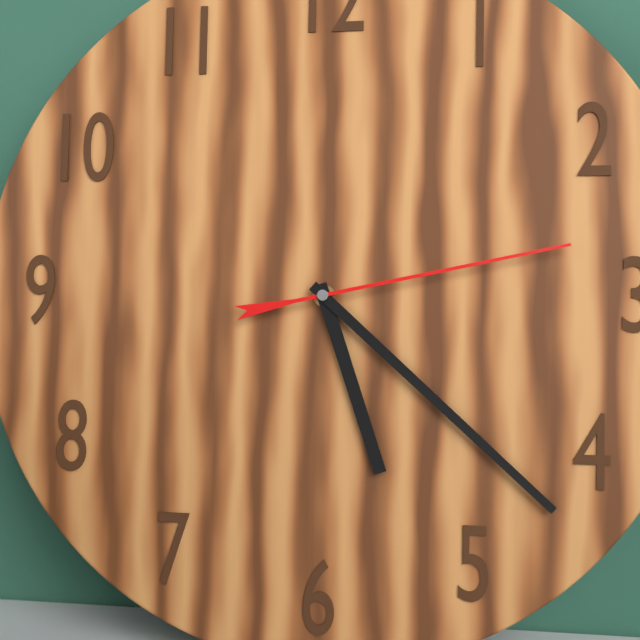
5:22:13
